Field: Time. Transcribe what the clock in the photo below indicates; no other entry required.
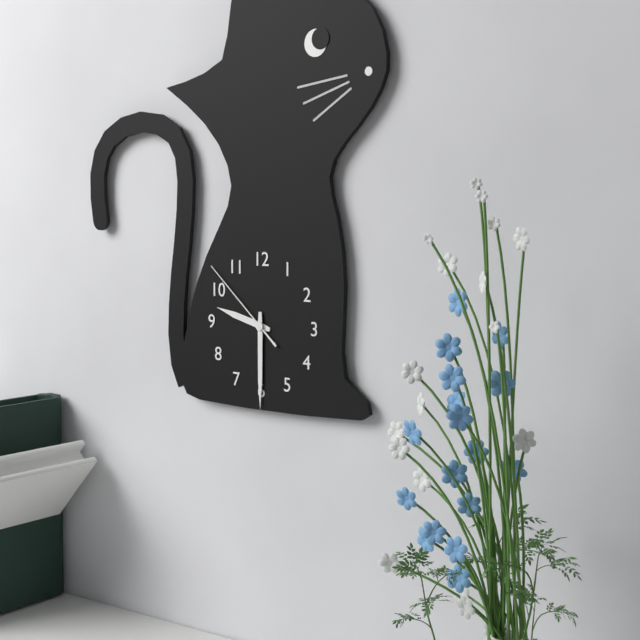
9:30:52
